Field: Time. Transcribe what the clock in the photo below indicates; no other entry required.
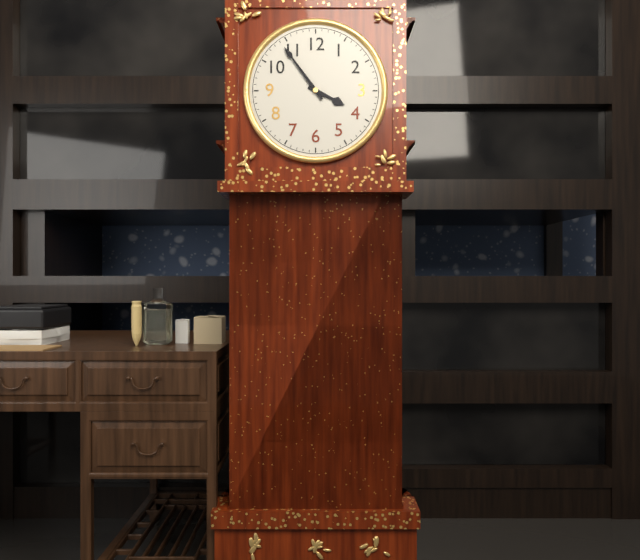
3:54
